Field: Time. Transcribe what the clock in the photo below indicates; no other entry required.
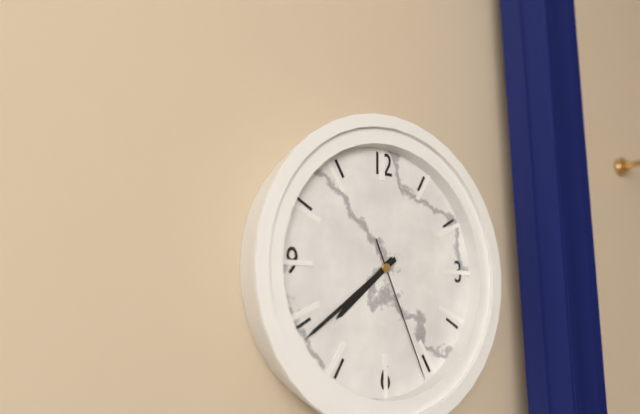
7:39:26
